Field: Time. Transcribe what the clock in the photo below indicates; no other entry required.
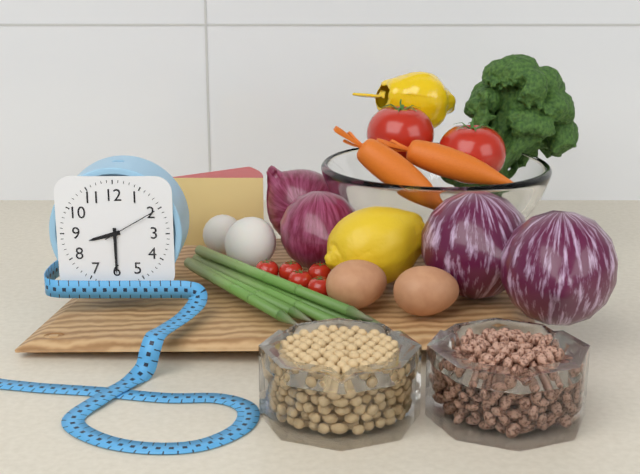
8:30:10
